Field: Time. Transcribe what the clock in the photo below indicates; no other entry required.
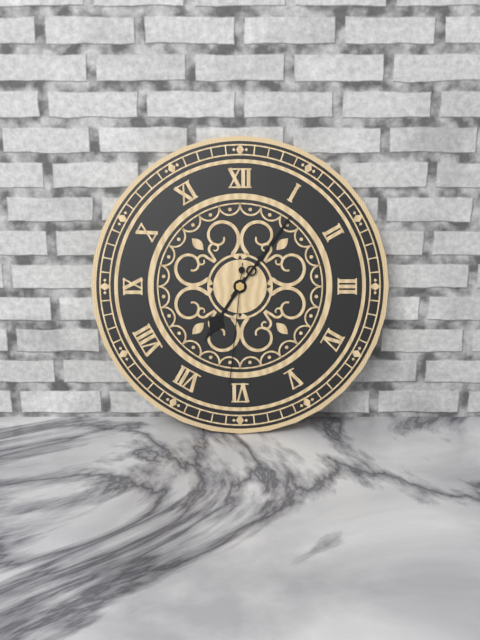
7:06:31
